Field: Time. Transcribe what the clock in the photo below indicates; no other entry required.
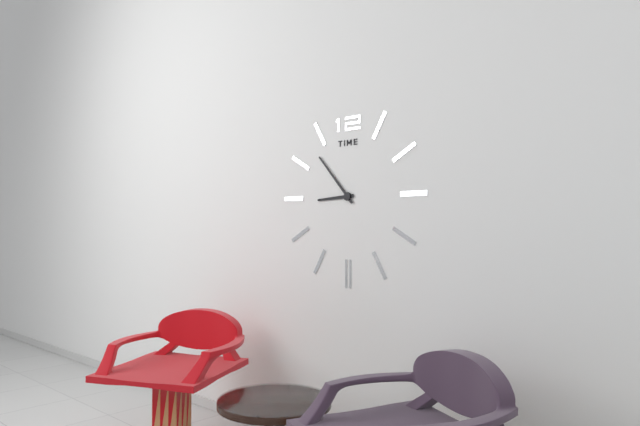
8:53
